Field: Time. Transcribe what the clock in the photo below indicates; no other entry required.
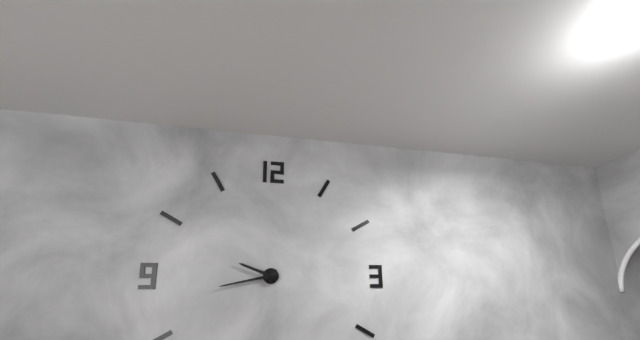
9:43
